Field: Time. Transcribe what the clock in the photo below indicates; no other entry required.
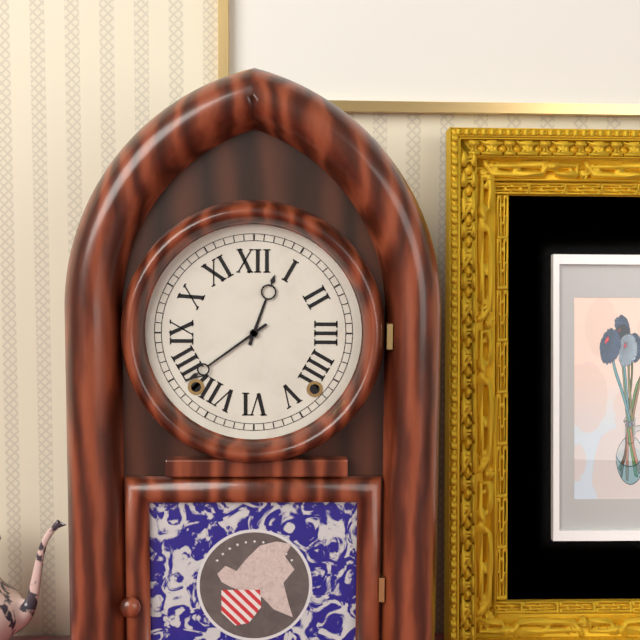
12:39
